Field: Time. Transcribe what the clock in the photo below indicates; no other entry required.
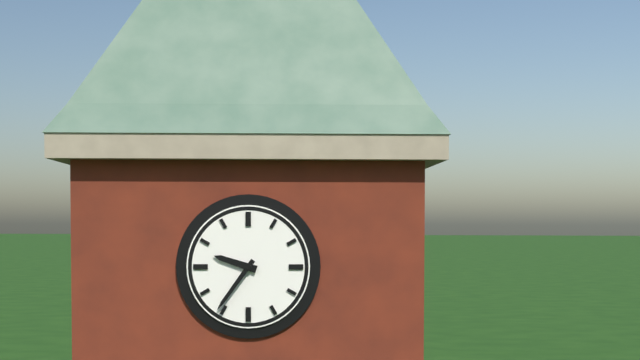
9:36
